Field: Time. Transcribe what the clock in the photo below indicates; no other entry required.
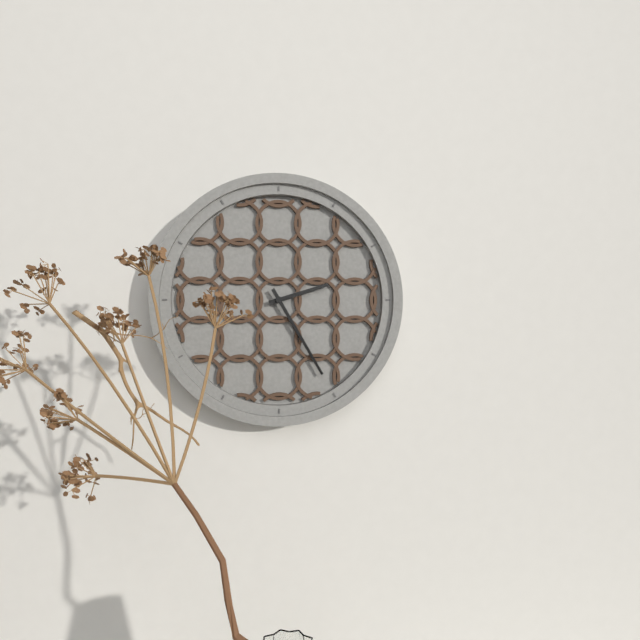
2:25
